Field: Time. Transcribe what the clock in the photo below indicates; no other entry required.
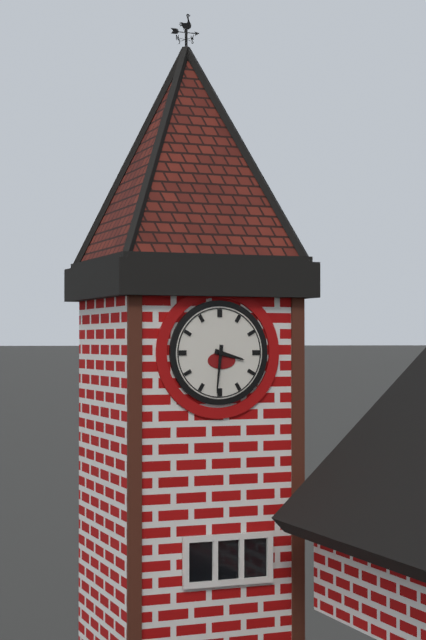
3:31
